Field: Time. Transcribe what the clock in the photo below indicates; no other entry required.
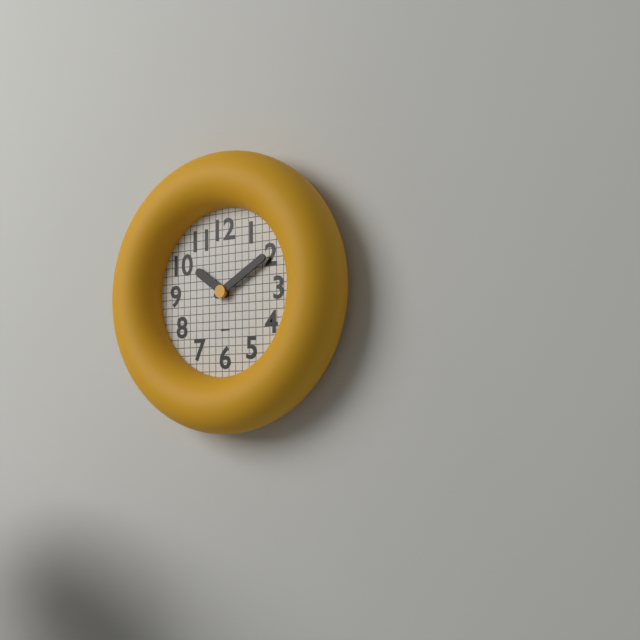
10:10
